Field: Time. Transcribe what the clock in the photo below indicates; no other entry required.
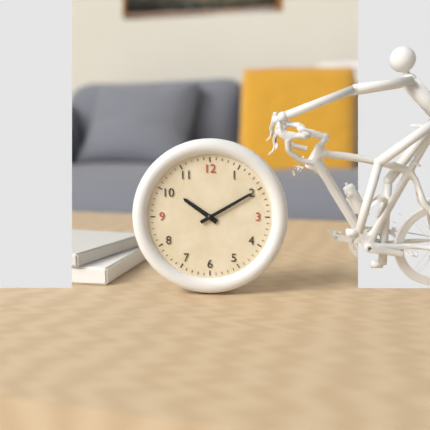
10:10
